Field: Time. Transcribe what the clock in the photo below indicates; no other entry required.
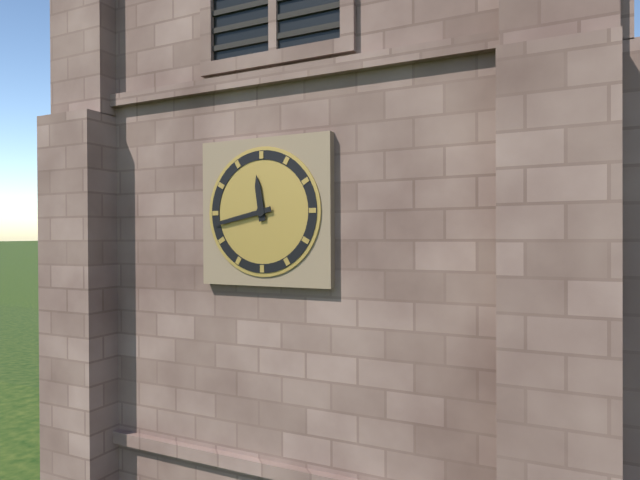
11:43
